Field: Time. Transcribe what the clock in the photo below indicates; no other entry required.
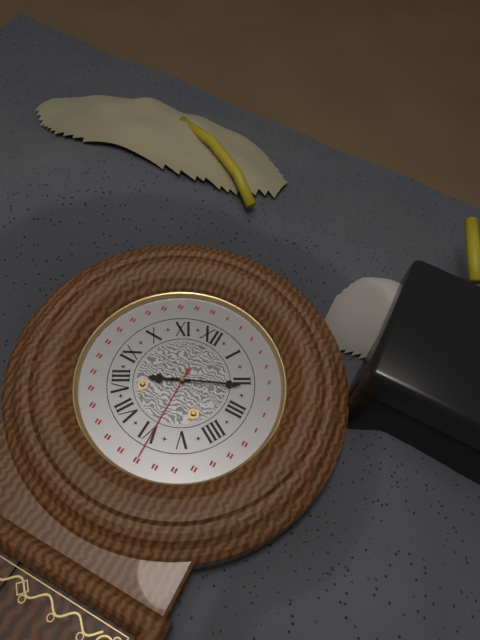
8:11
